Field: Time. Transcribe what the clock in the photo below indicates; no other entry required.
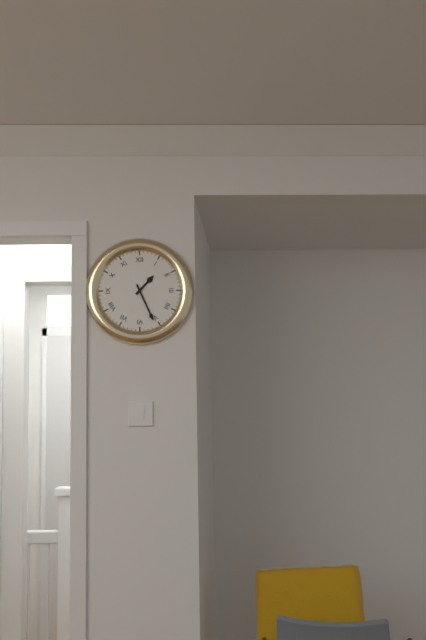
1:26
